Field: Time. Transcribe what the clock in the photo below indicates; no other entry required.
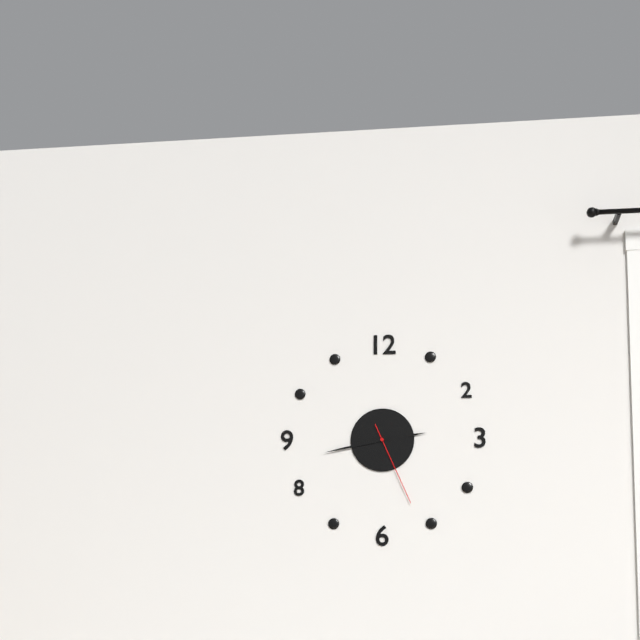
2:43:26
